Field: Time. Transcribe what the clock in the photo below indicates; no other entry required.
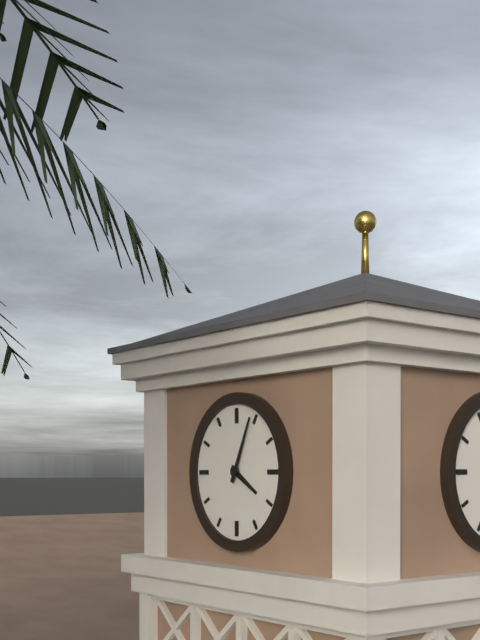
4:04
